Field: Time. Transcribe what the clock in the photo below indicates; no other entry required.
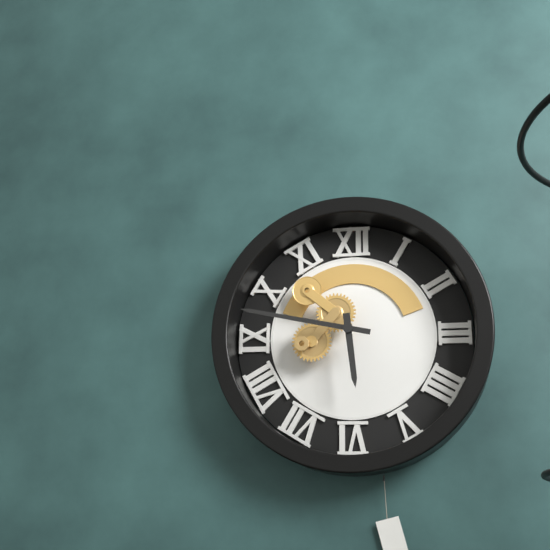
5:47
